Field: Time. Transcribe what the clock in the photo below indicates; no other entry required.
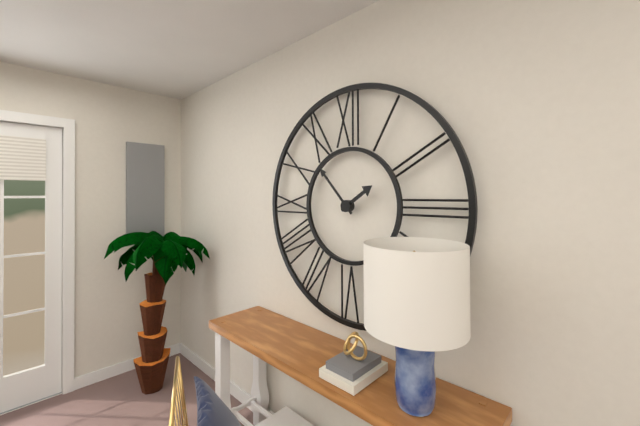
1:53
